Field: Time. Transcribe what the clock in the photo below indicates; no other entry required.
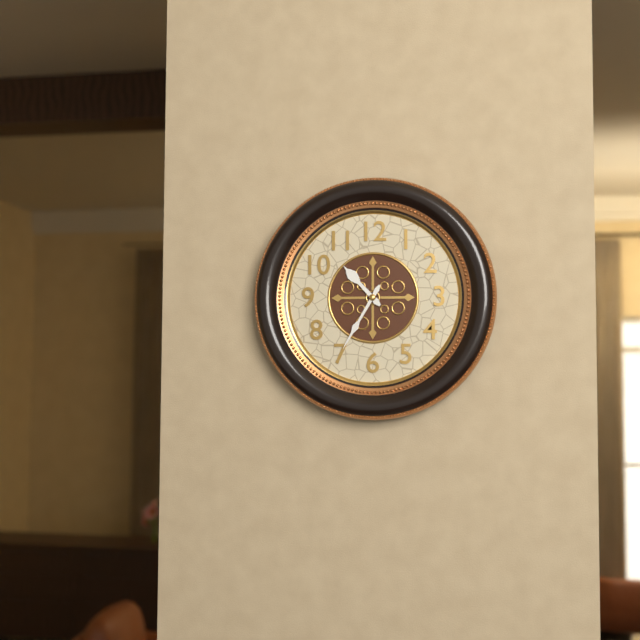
10:35
